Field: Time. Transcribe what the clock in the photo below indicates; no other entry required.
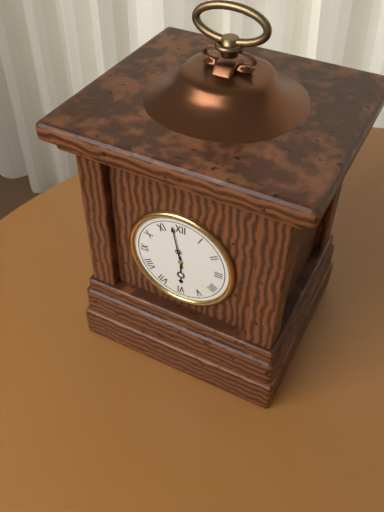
5:58
